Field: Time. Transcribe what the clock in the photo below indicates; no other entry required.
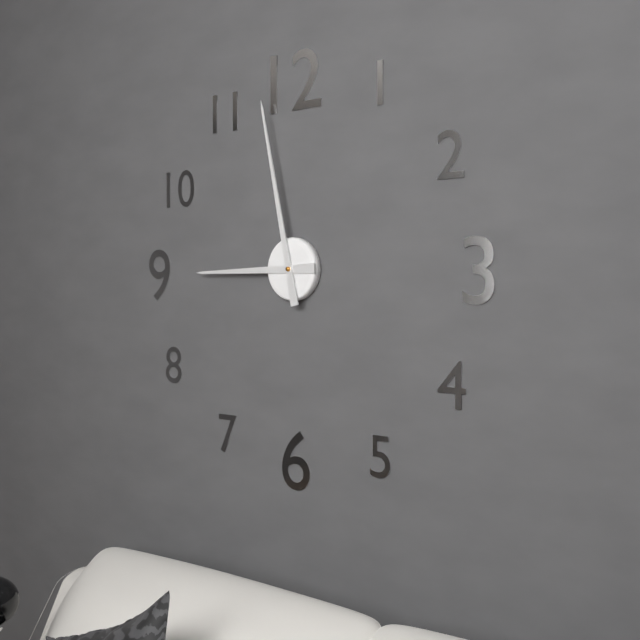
8:58
